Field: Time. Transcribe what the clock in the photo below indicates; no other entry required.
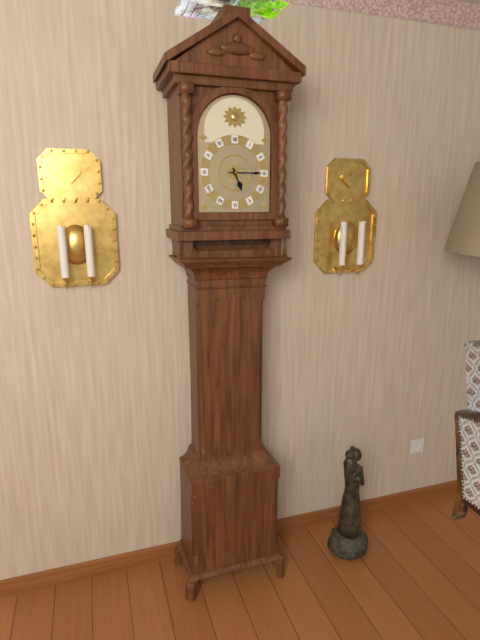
5:15
